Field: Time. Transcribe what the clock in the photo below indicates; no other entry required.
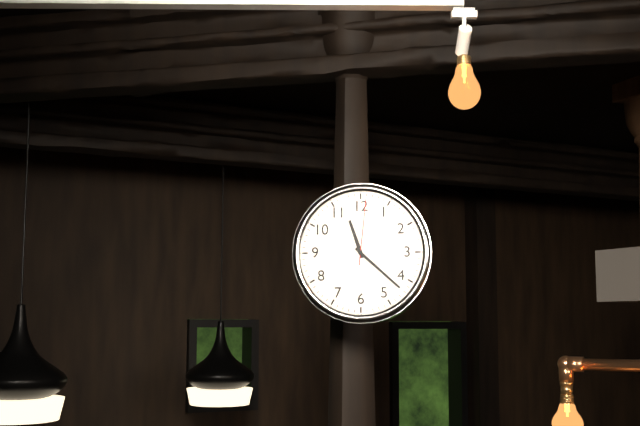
11:22:01
